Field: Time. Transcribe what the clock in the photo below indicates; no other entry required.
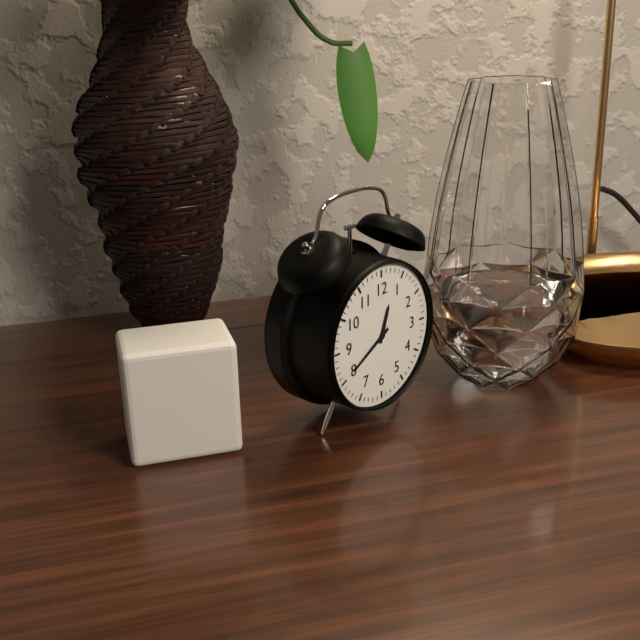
12:40
